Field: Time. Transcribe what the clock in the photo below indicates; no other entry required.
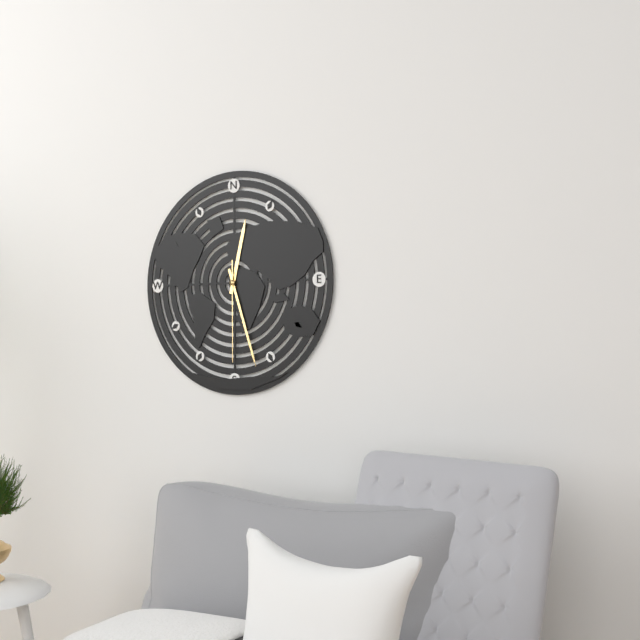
12:27:30
